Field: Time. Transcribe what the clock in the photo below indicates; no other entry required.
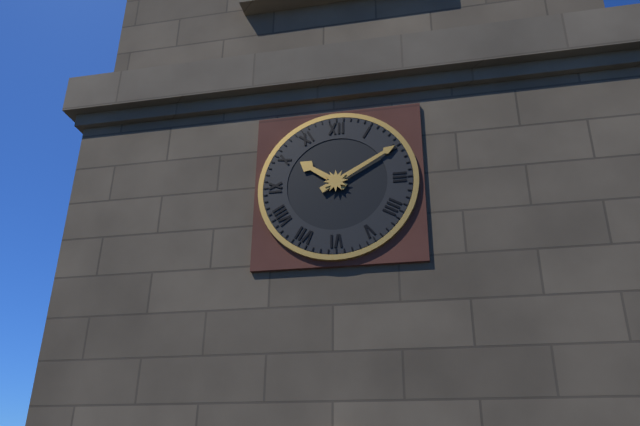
10:10
